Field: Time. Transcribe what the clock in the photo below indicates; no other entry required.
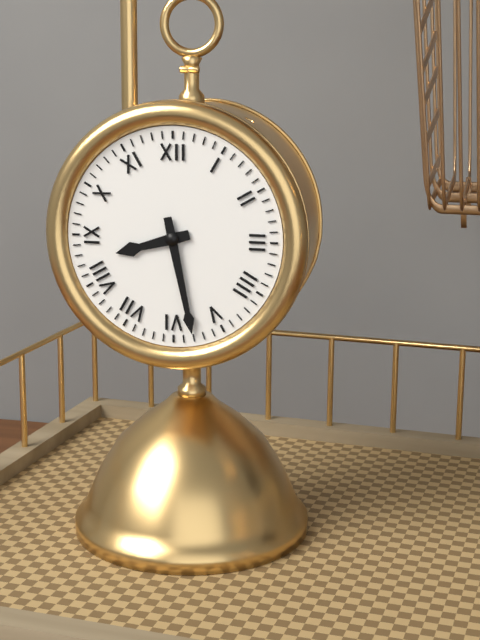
8:28
